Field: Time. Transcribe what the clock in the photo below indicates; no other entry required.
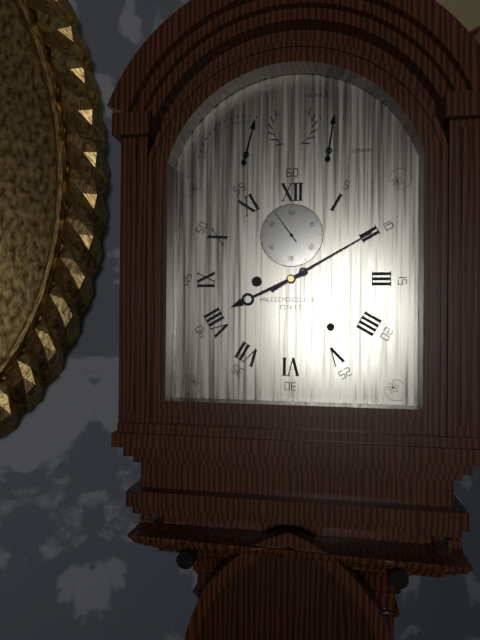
8:10
